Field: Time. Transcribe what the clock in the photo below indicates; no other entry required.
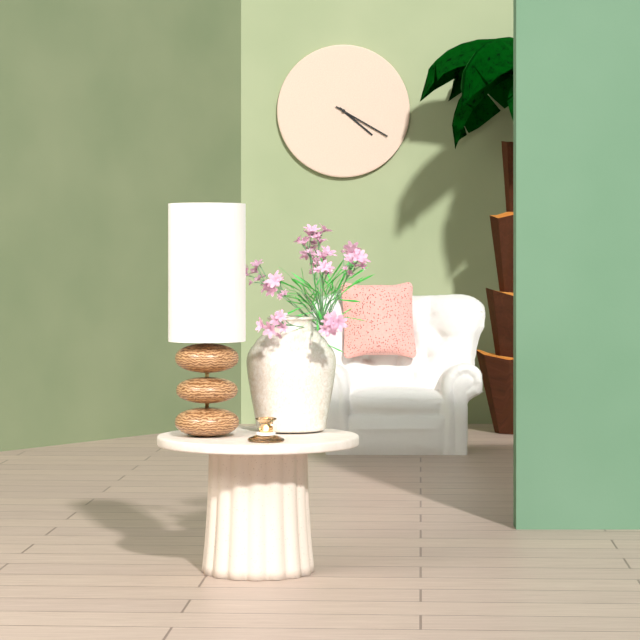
4:20
